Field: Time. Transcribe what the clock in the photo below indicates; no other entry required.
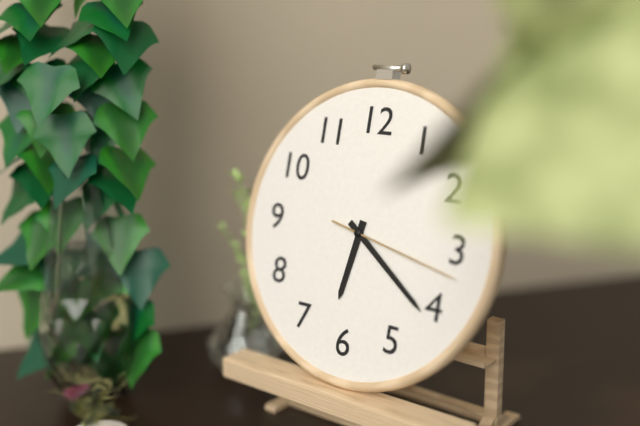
6:21:17
